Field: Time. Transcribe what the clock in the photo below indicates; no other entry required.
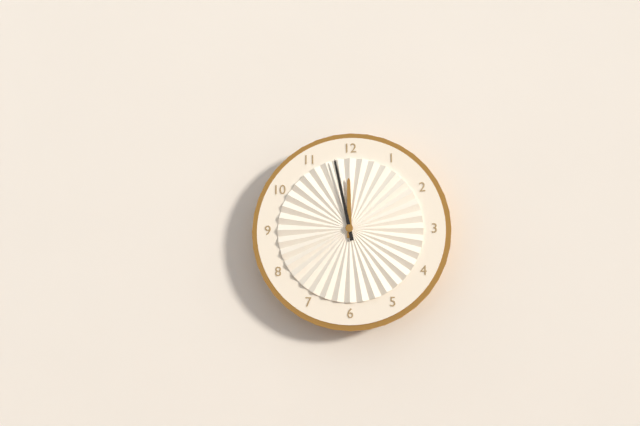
11:58
